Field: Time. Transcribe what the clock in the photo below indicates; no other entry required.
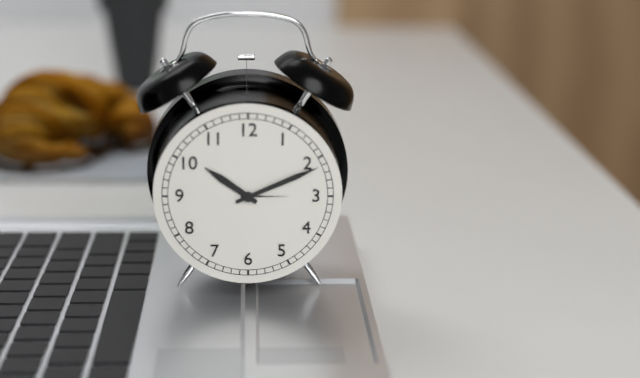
10:11
